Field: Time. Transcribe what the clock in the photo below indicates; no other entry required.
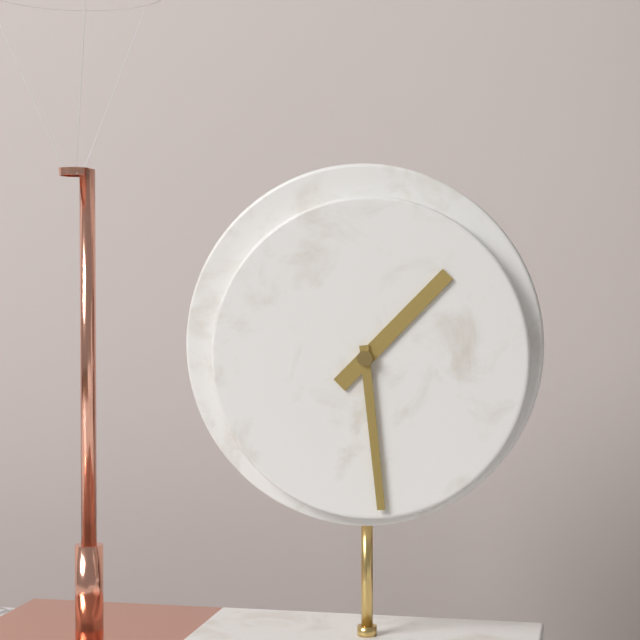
1:29
